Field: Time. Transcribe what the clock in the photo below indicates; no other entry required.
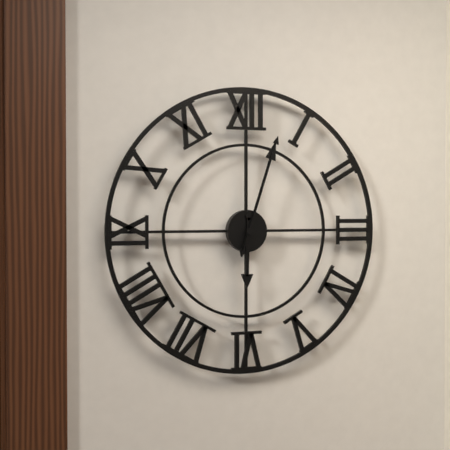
6:03:03
